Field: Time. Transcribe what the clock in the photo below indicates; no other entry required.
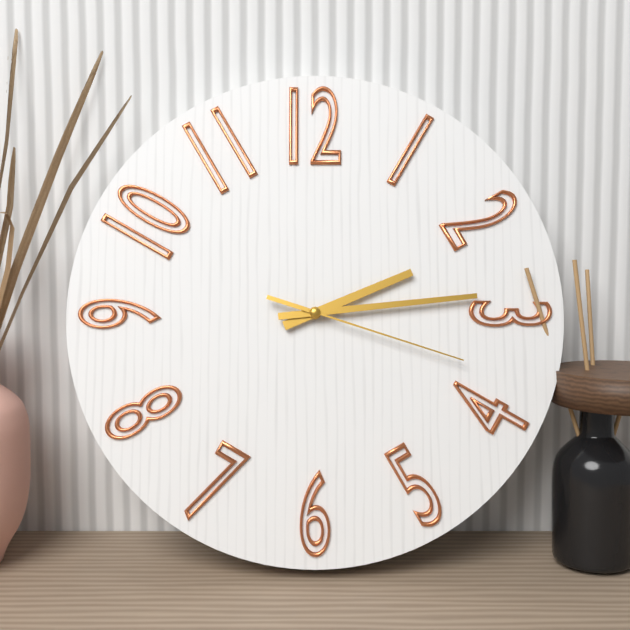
2:14:18
